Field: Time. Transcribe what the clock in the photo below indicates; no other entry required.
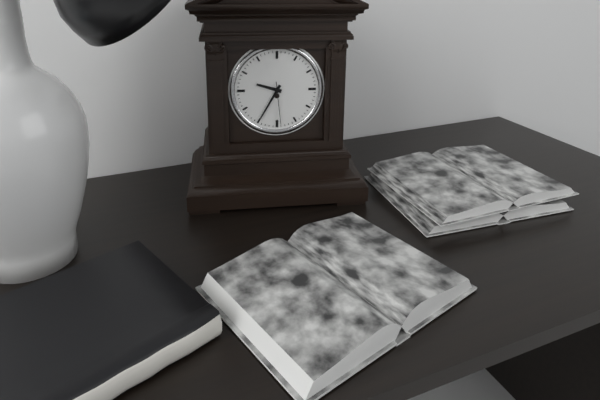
9:35
